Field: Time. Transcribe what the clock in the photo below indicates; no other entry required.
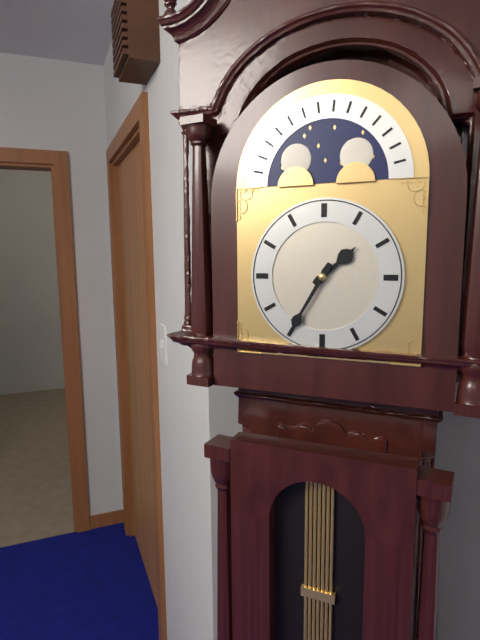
1:35
